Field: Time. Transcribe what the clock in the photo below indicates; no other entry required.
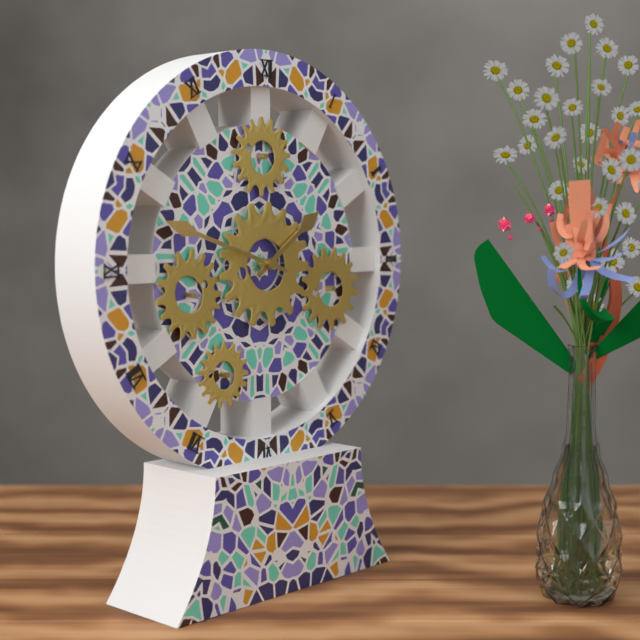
1:48
